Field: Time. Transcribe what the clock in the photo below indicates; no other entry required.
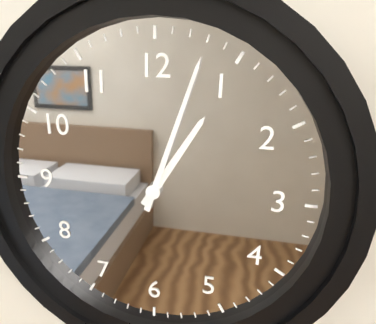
1:03
